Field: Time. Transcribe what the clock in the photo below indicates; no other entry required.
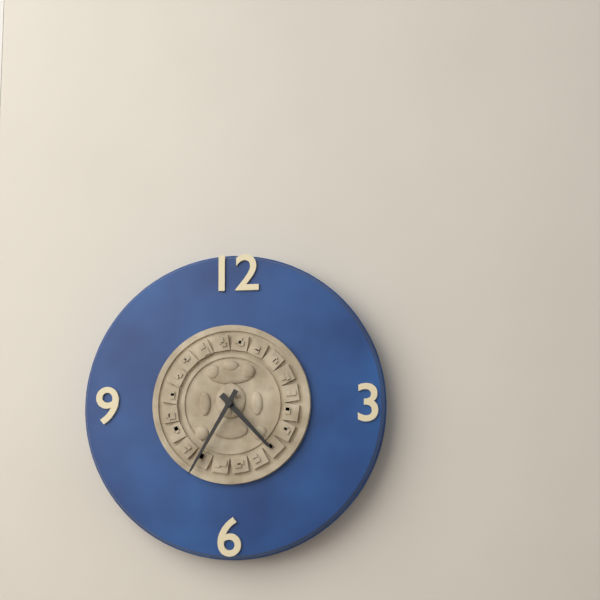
4:35
